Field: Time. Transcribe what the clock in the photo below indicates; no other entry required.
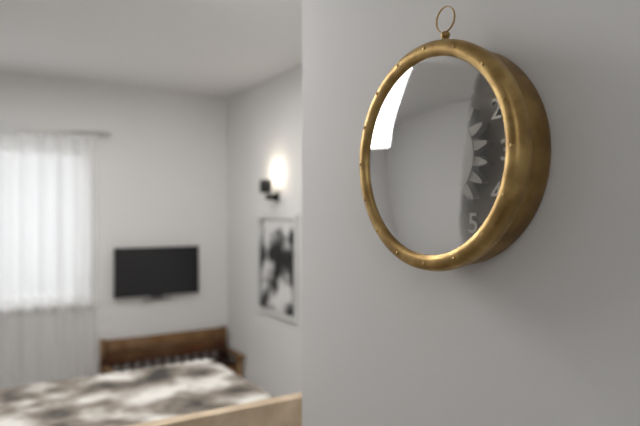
7:33
